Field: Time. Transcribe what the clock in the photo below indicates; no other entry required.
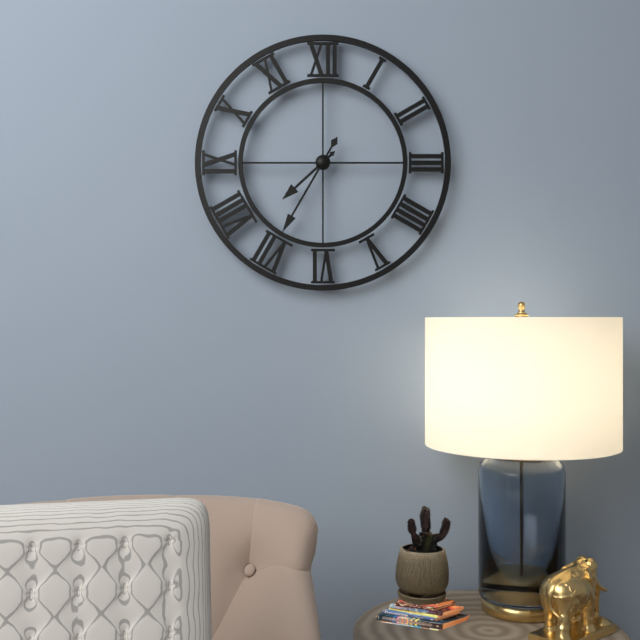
7:35
